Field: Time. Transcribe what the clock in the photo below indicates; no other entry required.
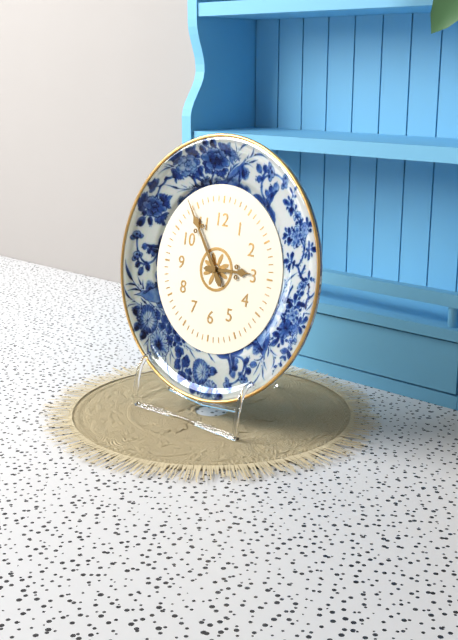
2:54
